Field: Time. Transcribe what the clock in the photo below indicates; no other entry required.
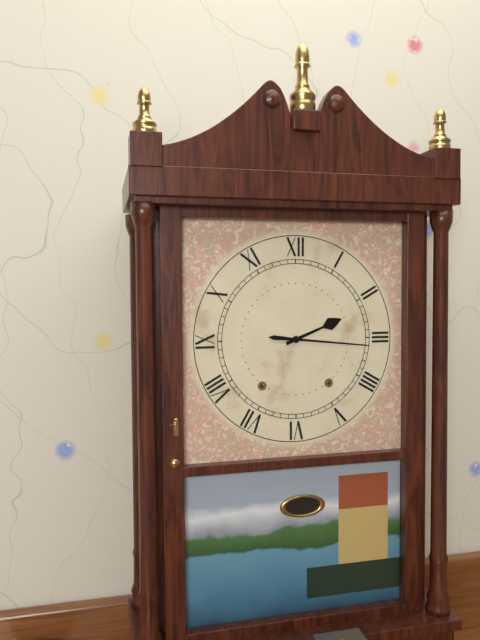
2:16
